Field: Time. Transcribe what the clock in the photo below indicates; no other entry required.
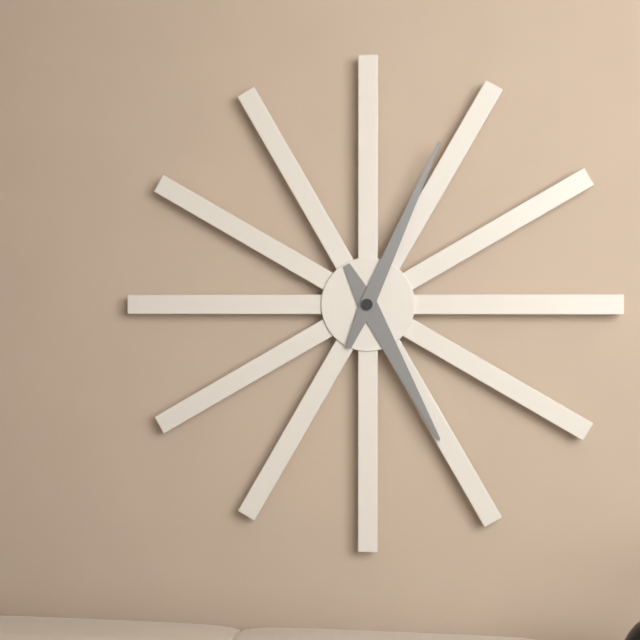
5:04
